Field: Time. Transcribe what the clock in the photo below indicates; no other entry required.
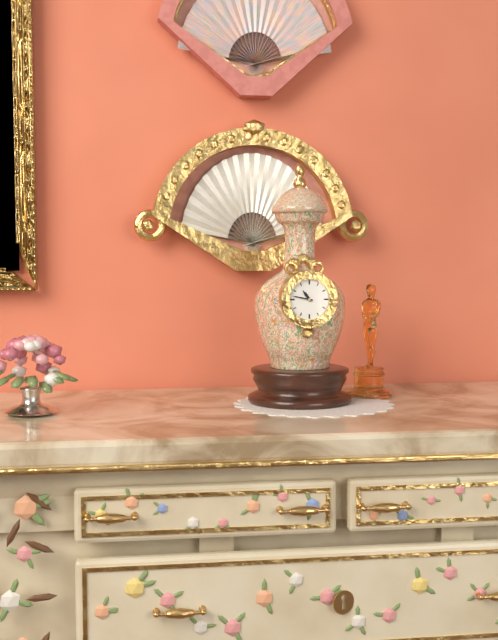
10:47
